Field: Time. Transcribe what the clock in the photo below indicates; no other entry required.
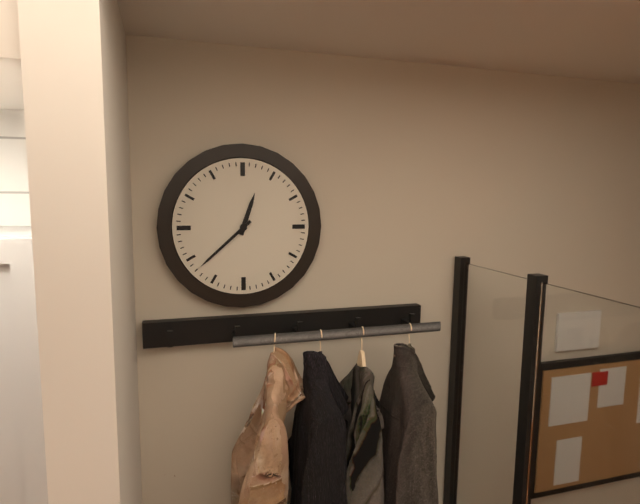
12:38
